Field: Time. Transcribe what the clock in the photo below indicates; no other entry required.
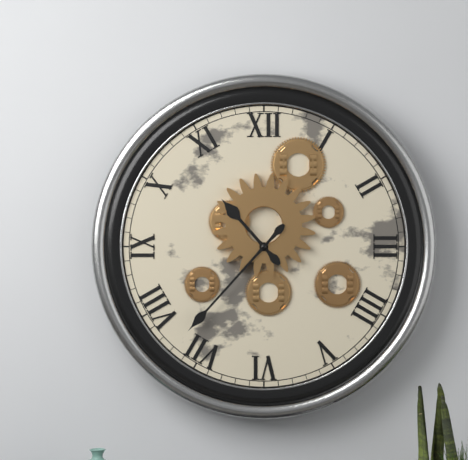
10:37
